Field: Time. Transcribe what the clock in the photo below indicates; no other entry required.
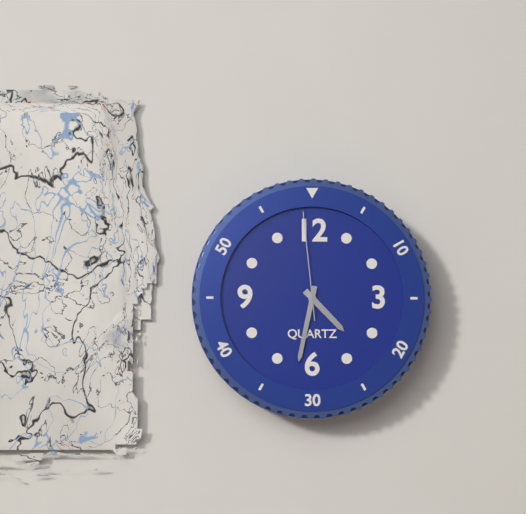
4:32:59
